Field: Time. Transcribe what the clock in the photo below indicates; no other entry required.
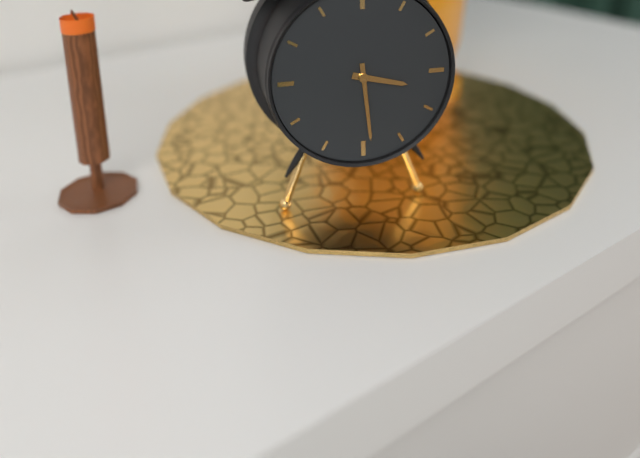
3:29
